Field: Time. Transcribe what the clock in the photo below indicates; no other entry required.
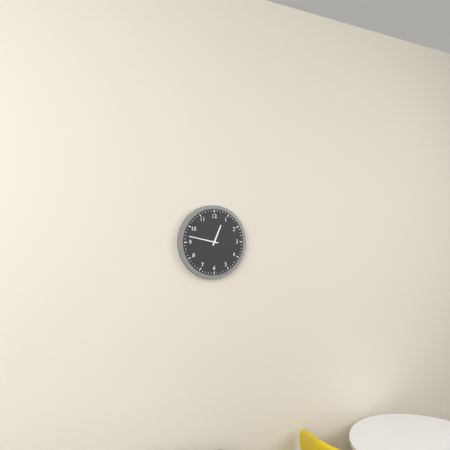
12:47
